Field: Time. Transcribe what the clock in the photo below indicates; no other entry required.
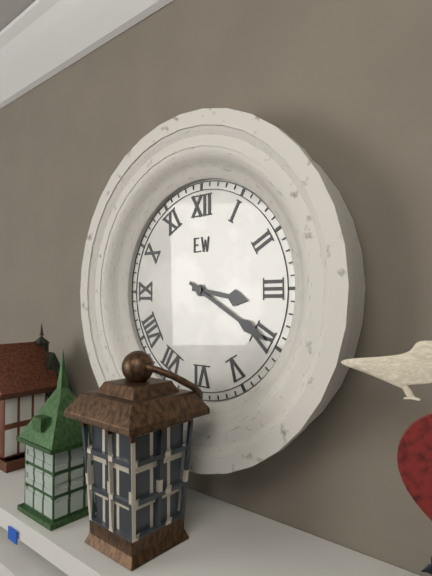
3:20
